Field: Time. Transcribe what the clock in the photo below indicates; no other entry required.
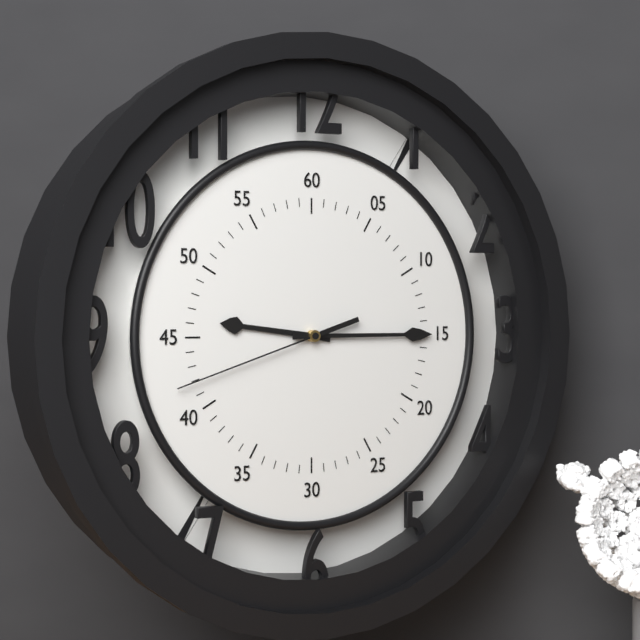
9:15:42
